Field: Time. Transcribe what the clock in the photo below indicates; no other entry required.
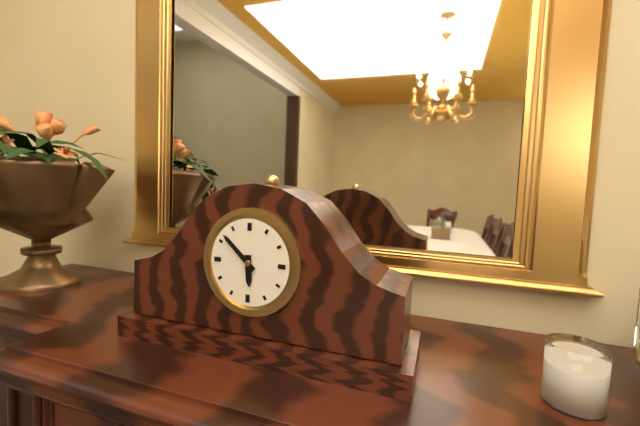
5:52
